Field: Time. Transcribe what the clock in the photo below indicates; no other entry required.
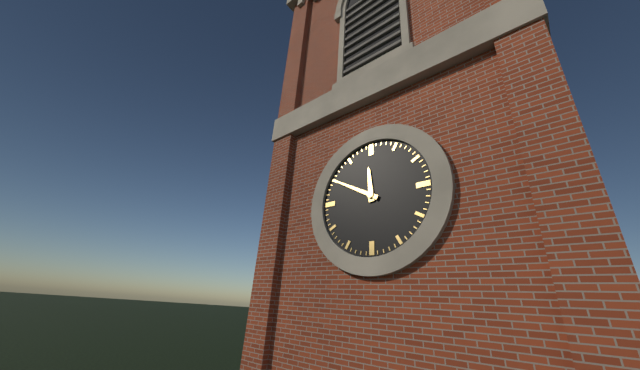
11:50
